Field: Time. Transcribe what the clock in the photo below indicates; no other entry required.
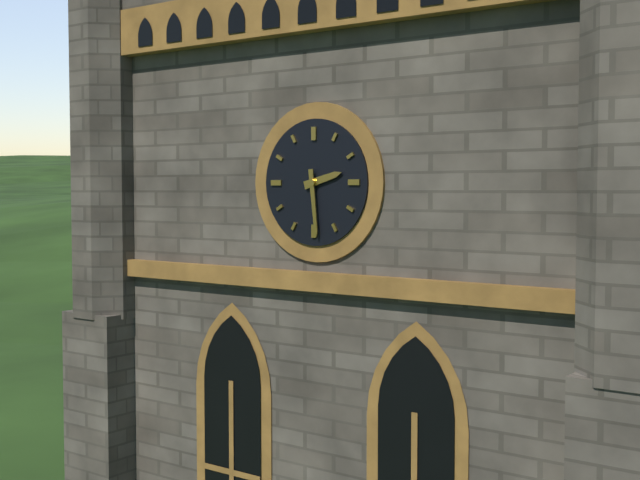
2:29
